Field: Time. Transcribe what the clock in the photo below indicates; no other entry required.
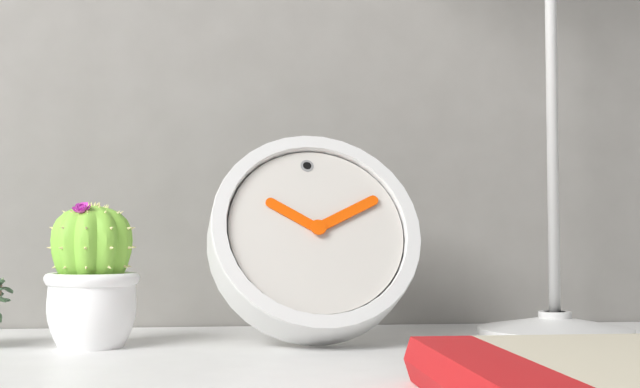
10:11
